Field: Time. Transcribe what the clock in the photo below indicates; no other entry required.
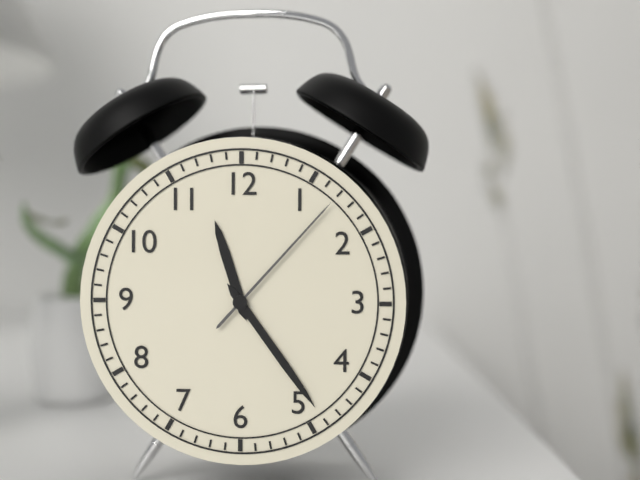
11:24:07
